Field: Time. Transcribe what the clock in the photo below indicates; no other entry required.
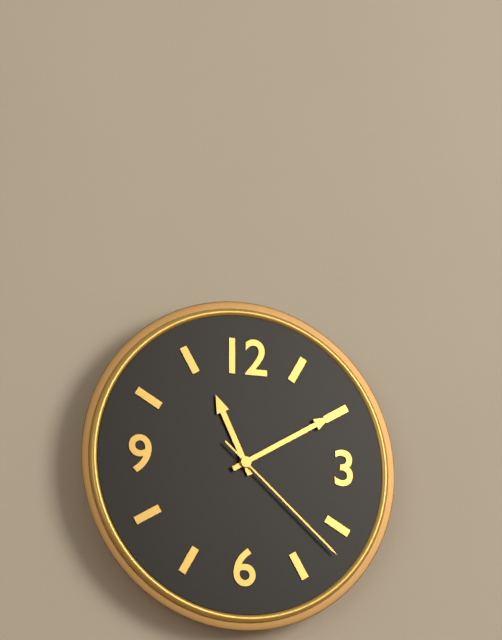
11:10:22
